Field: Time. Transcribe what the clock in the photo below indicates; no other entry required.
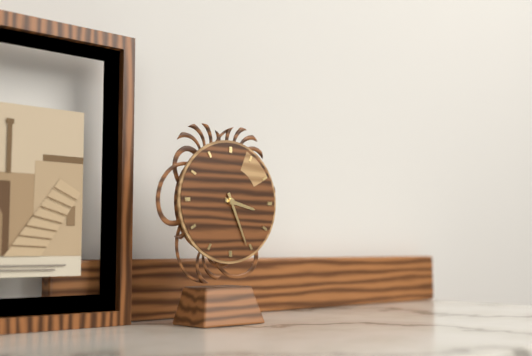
3:26
